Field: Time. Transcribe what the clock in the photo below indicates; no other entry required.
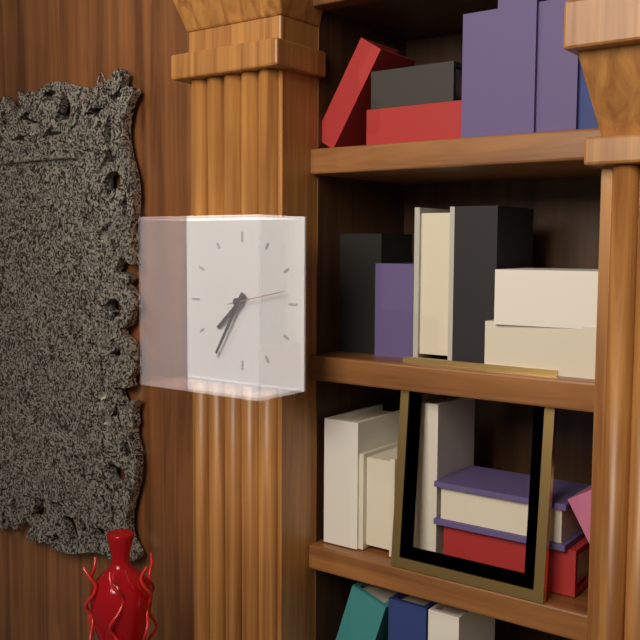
7:35:13
